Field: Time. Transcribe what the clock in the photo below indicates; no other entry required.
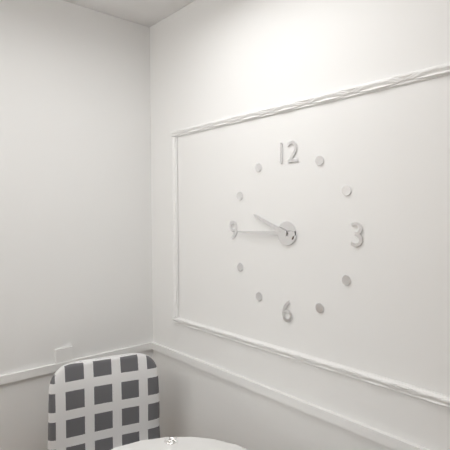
9:45
